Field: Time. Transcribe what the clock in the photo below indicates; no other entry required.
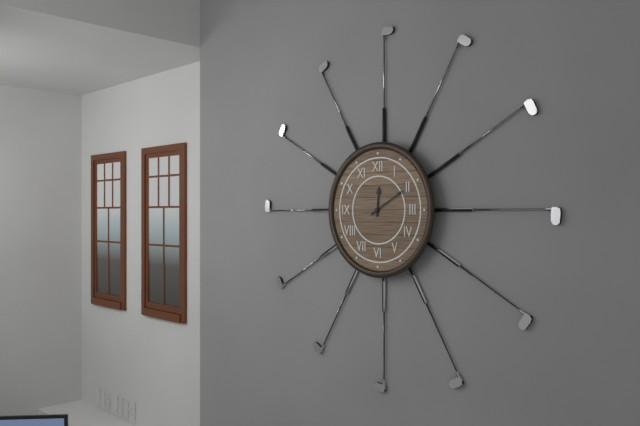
12:10
